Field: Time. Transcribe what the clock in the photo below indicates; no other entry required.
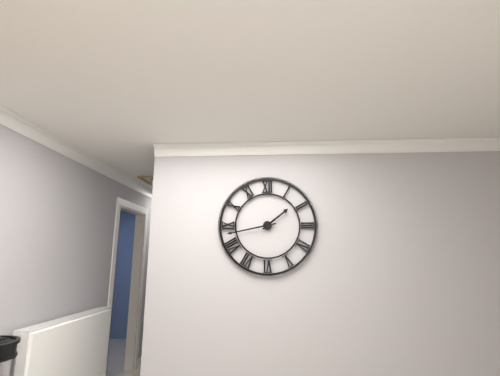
1:43
